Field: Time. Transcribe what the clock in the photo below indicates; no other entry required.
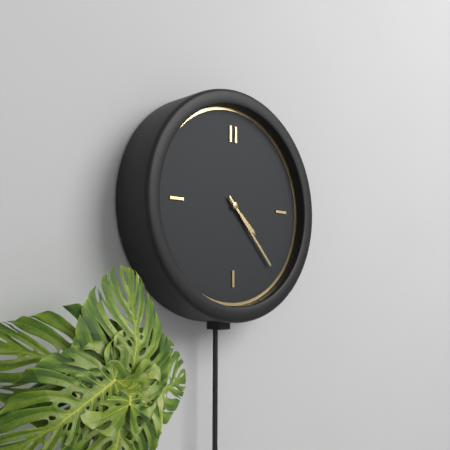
4:23
